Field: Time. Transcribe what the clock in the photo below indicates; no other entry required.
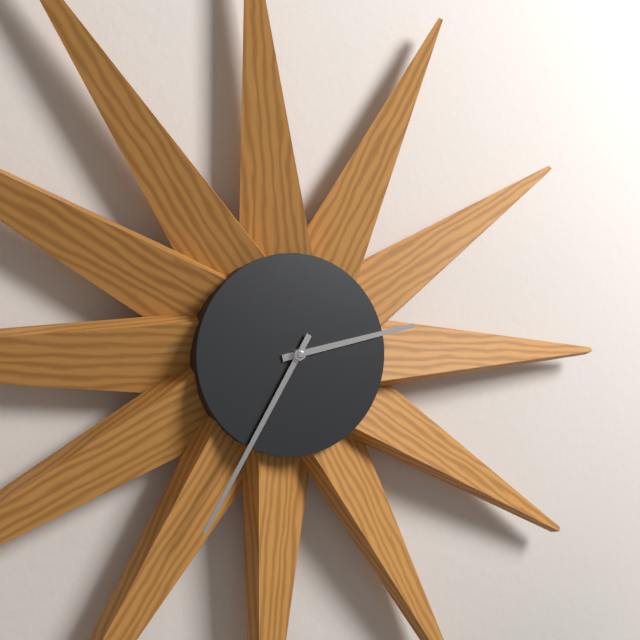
2:35
